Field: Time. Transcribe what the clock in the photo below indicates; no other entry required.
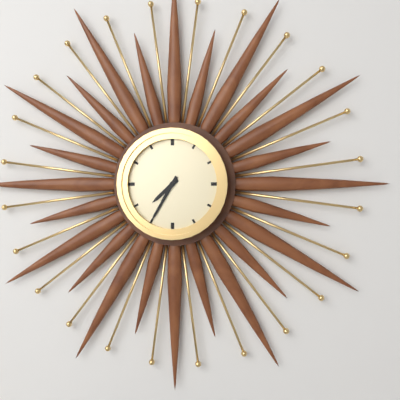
7:35
